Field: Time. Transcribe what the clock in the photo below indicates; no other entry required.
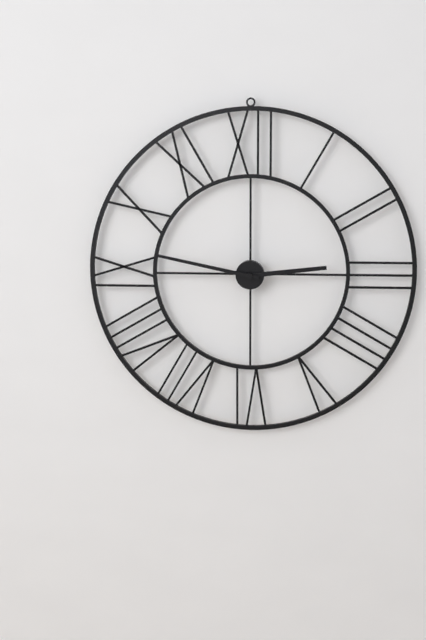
2:47
